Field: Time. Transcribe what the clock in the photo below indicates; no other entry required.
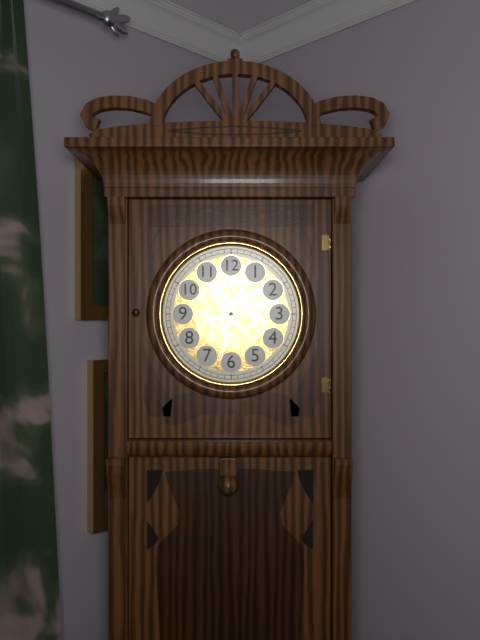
8:32
